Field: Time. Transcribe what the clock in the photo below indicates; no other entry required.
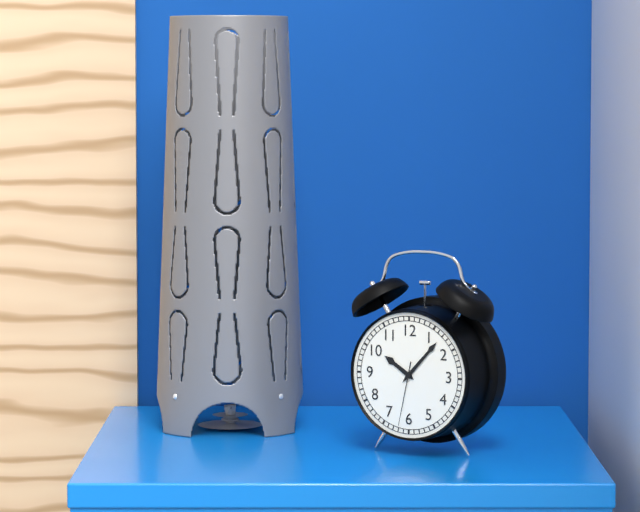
10:07:32
